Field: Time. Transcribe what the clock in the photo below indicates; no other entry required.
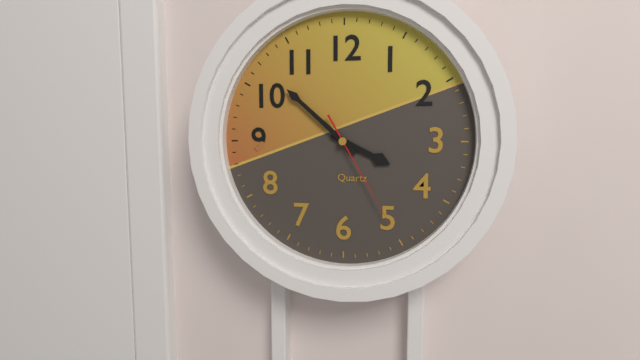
3:52:25
